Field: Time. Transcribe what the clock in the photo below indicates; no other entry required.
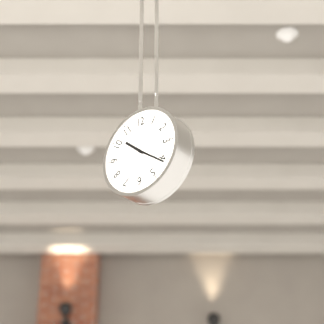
10:21
